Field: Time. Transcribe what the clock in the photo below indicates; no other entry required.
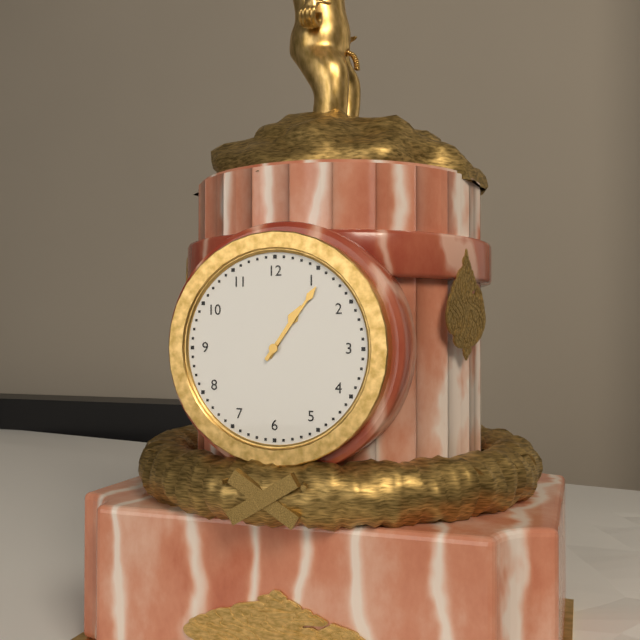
1:06
